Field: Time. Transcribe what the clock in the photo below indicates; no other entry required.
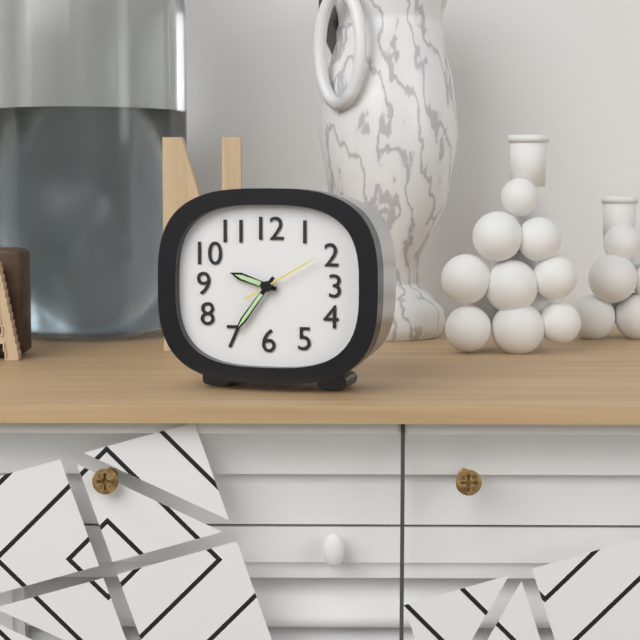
9:36:10
